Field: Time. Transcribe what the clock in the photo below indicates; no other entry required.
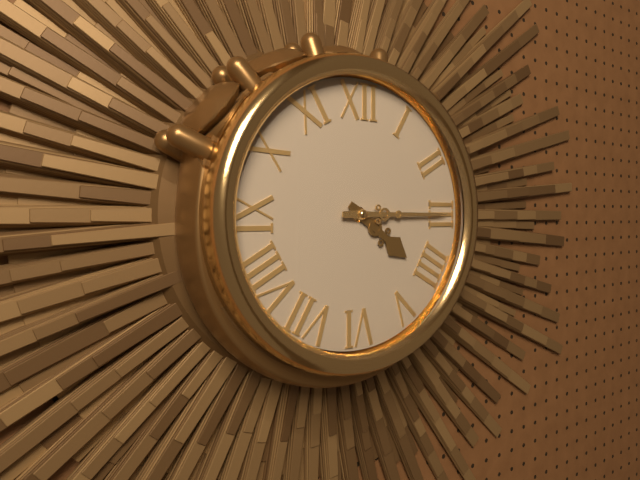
4:15
